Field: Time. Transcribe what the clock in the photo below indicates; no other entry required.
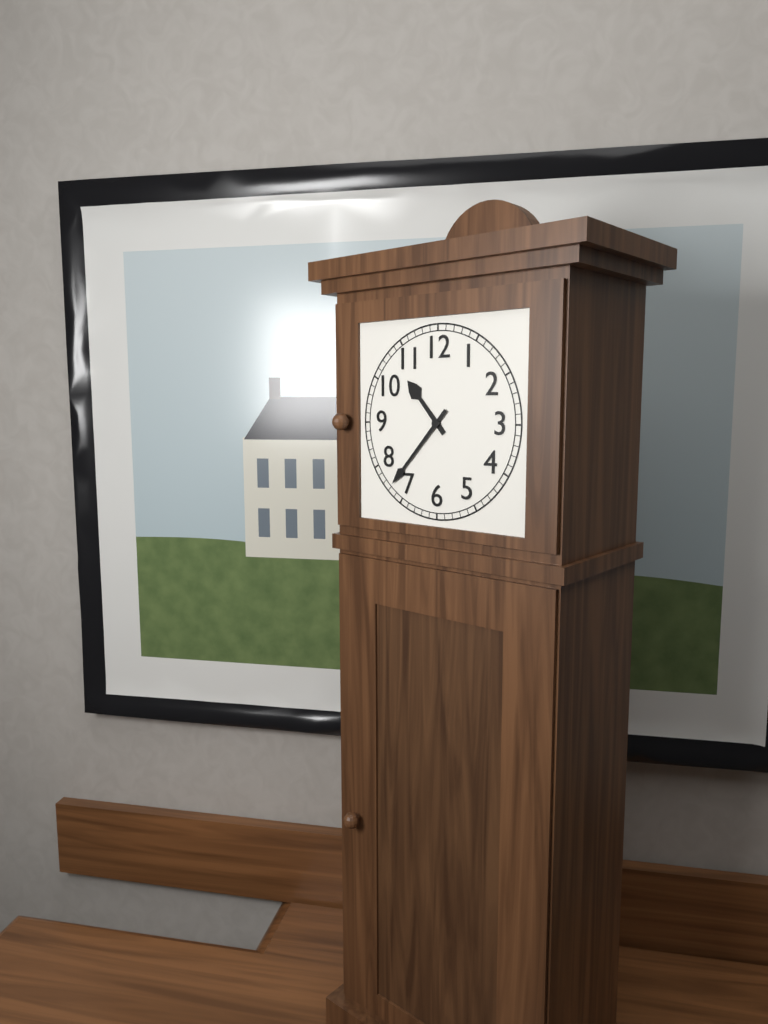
10:37
